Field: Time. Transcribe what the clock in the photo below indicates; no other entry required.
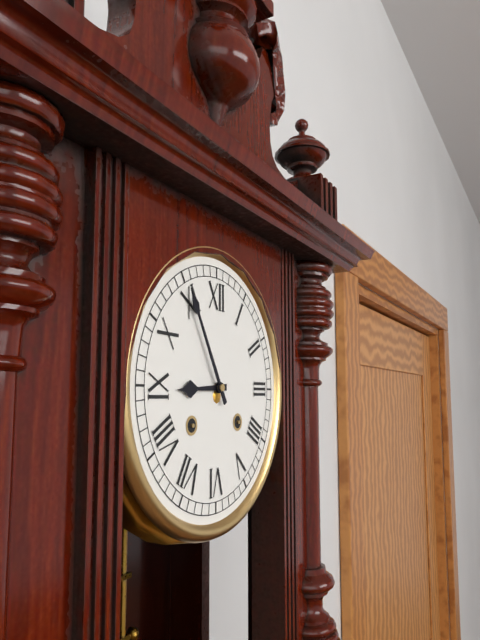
8:55
